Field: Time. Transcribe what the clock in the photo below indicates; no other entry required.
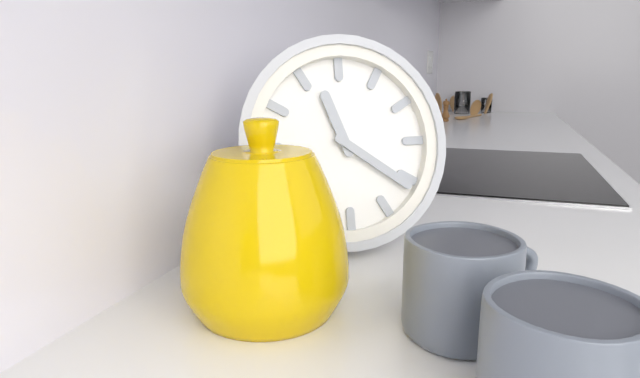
11:21
